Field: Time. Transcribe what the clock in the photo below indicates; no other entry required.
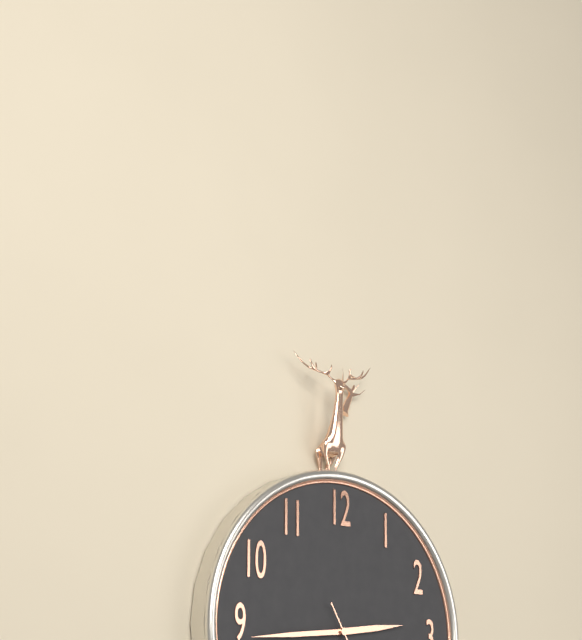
2:44
